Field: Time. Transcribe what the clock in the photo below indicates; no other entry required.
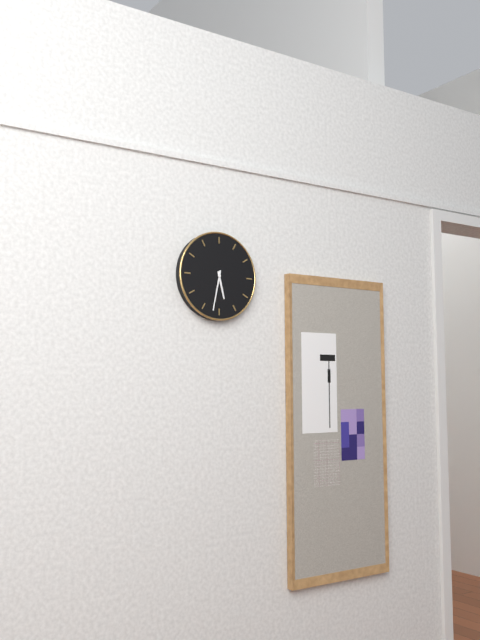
5:32
